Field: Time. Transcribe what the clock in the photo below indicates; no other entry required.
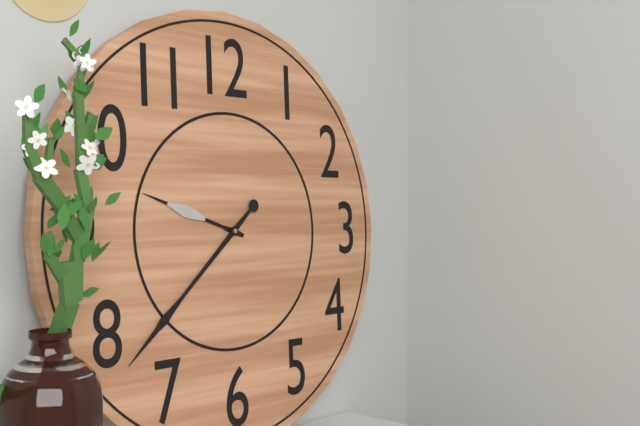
9:38
